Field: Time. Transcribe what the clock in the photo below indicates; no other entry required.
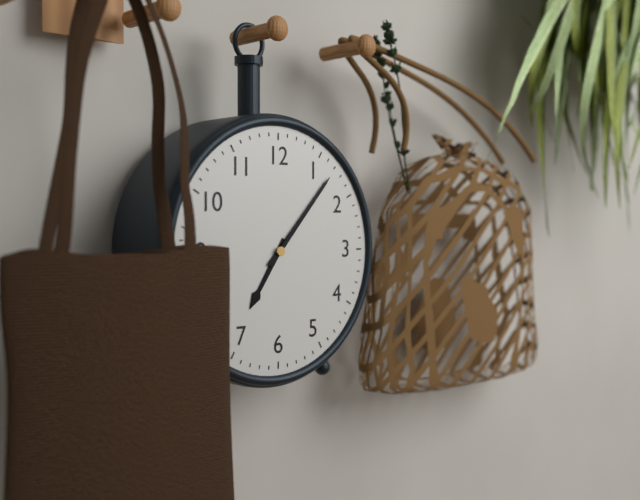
7:07
